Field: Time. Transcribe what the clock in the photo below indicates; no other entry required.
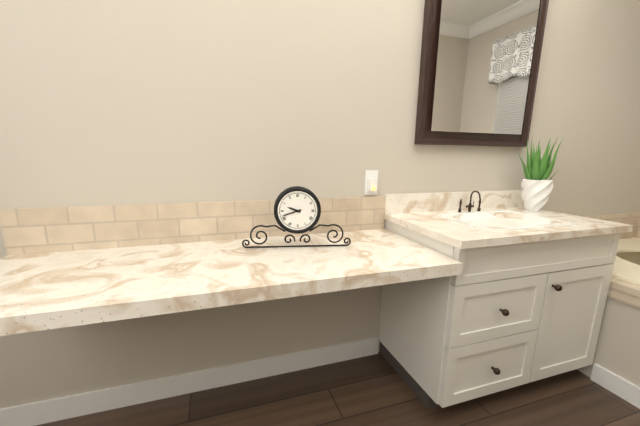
9:42
